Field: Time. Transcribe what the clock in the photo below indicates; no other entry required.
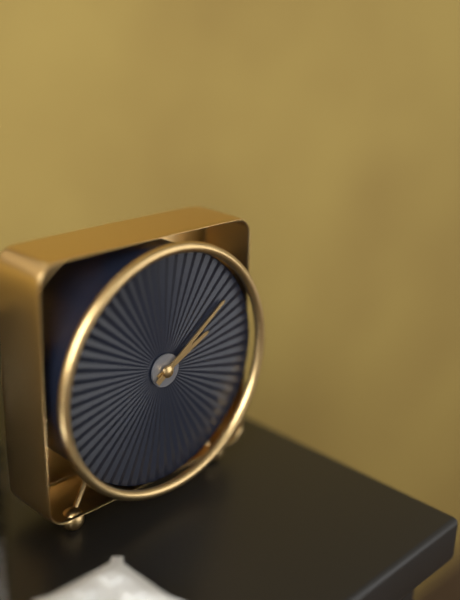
2:09
